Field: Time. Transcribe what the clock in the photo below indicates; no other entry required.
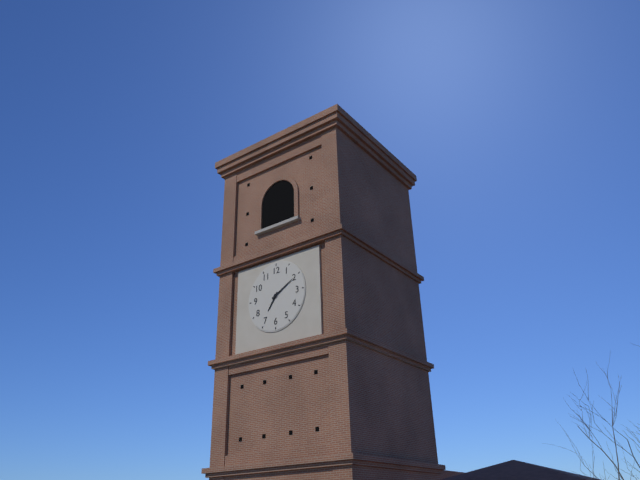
7:10
